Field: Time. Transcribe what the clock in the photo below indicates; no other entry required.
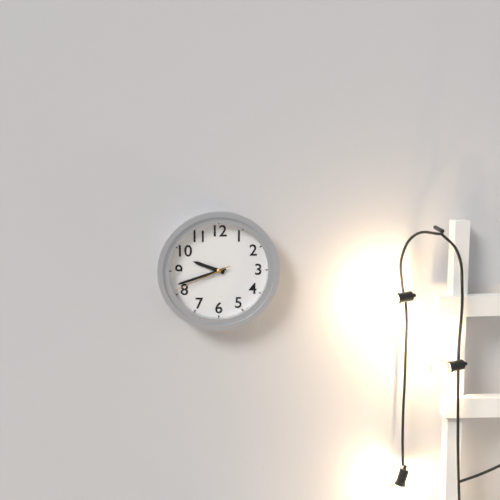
9:42:41
